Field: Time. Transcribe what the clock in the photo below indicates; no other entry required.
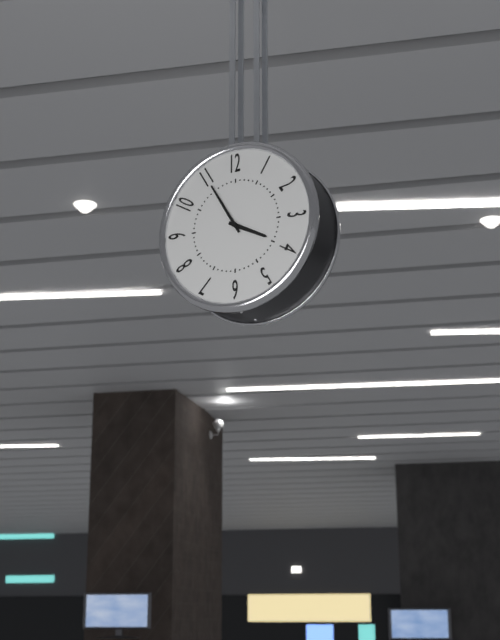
3:55
